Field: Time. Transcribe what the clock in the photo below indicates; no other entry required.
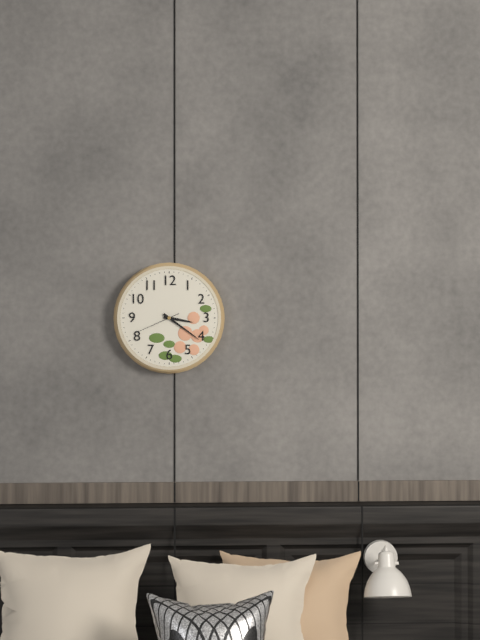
3:21:41
